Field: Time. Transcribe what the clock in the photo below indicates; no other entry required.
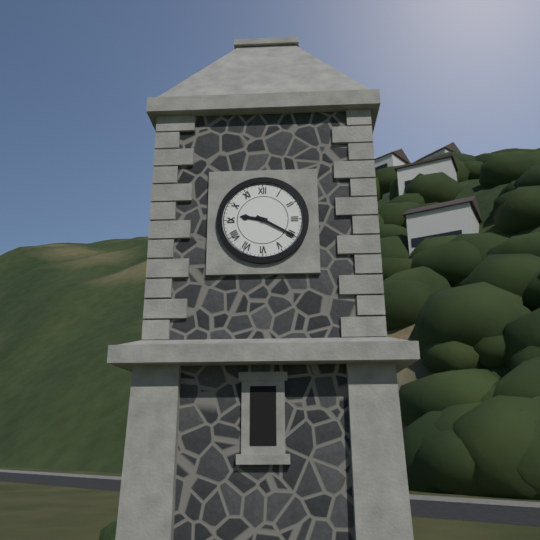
9:20
